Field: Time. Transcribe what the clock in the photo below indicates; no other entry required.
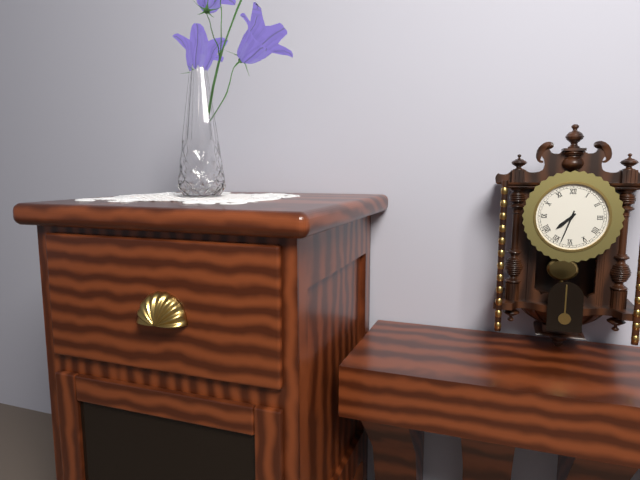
7:33
